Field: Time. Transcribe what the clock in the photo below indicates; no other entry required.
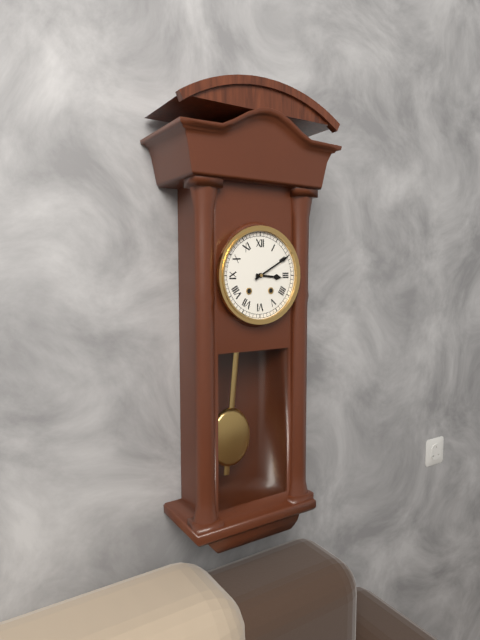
3:10
